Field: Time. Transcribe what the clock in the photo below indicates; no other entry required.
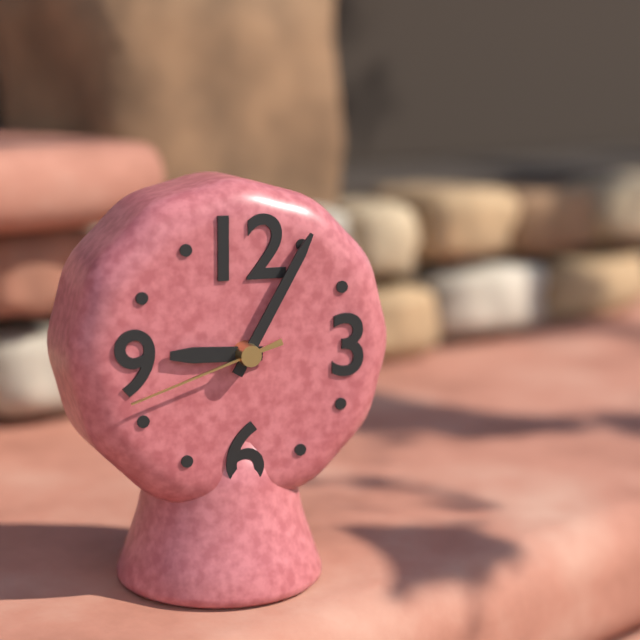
9:05:42
